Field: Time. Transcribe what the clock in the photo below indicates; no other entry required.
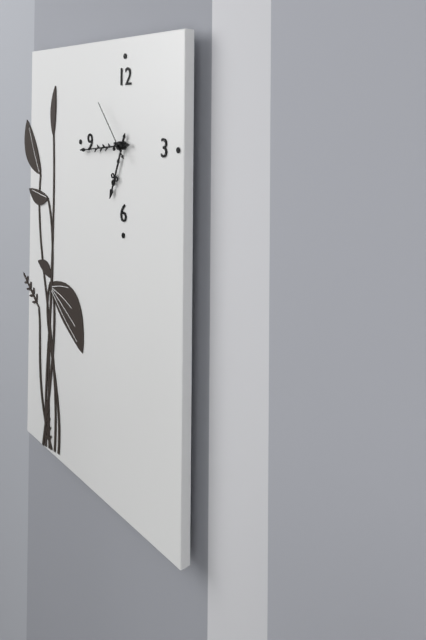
6:44:53
